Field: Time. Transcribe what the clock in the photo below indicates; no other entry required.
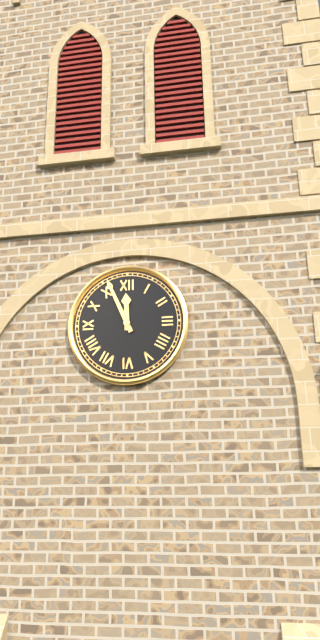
11:56
